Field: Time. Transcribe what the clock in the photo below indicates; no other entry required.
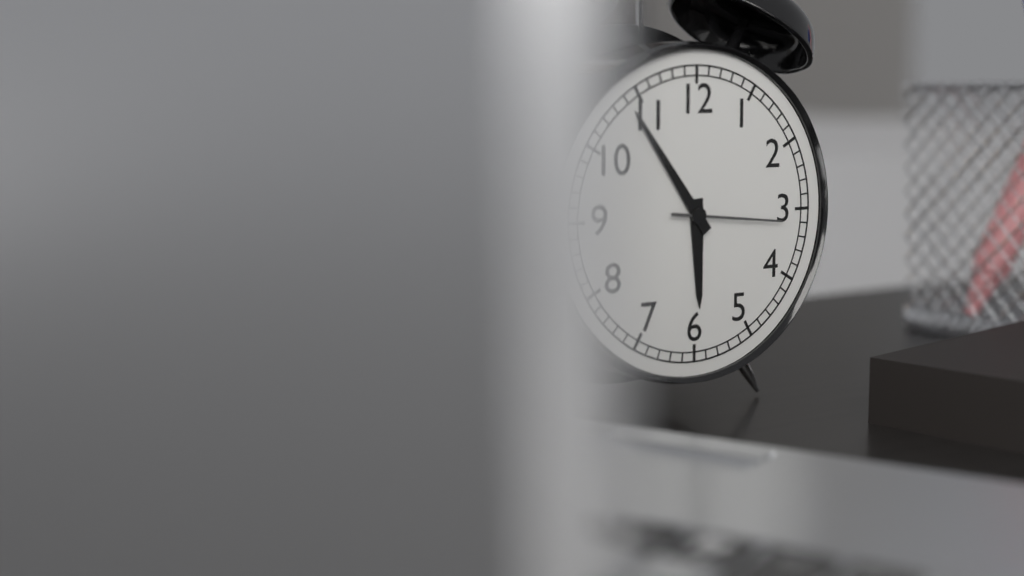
5:54:16
